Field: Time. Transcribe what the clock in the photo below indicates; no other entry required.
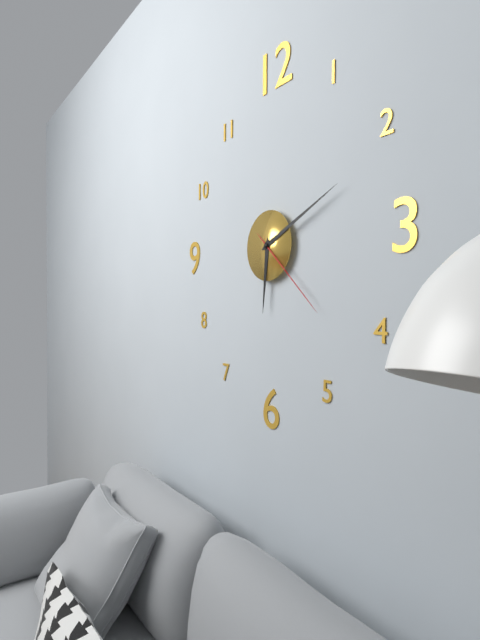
6:11:22
